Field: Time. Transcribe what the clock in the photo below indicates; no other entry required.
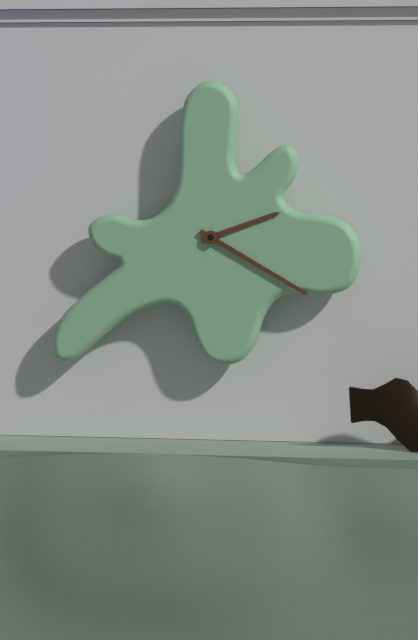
2:20
